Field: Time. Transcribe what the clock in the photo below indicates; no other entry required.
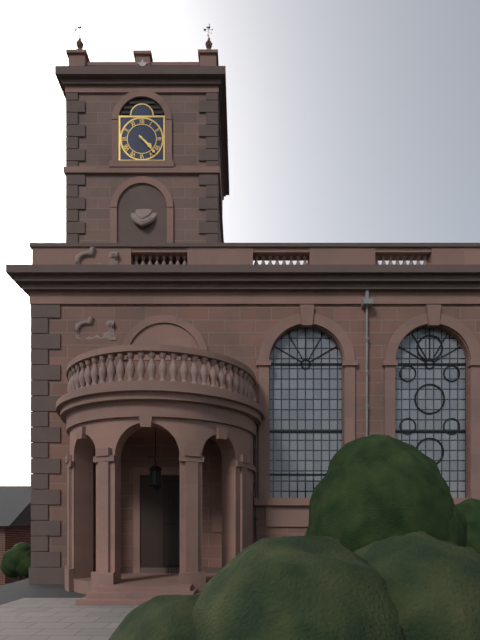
4:23
